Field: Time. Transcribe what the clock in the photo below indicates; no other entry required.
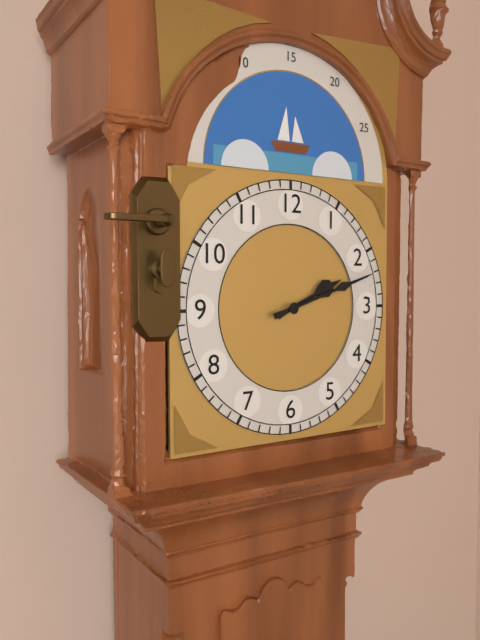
2:12
